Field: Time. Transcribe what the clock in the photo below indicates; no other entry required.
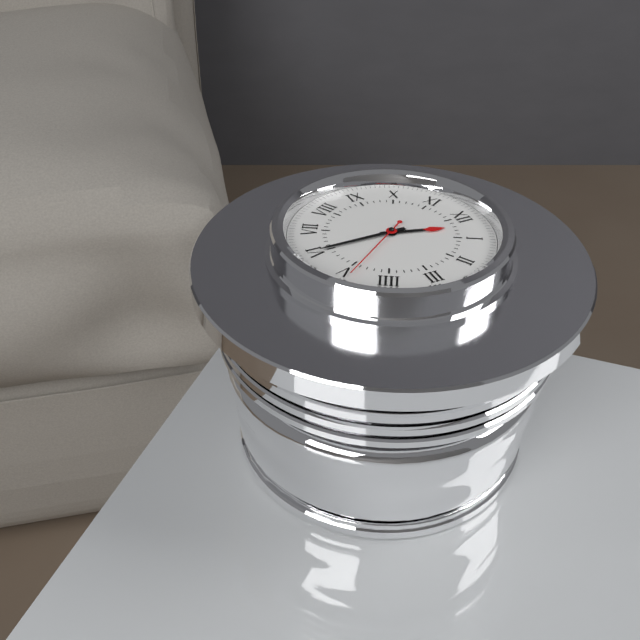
12:30:24
